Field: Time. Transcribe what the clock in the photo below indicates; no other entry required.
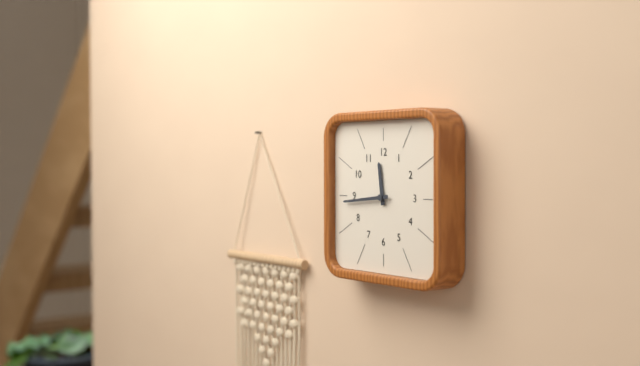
11:44
